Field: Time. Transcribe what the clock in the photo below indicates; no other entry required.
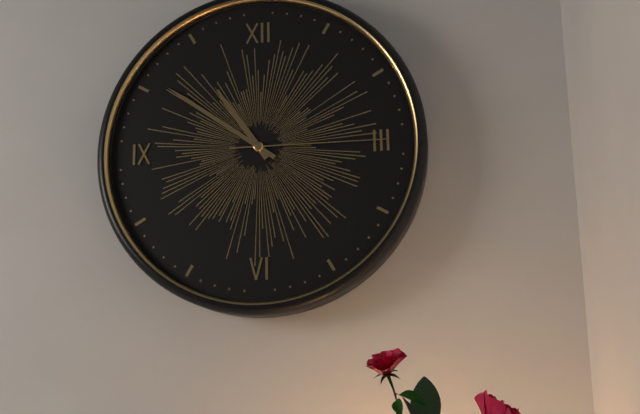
10:51:15
